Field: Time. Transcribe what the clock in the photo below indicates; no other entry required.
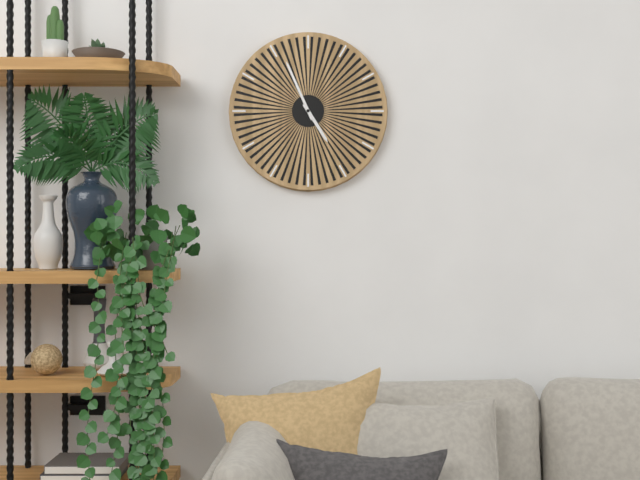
4:56
